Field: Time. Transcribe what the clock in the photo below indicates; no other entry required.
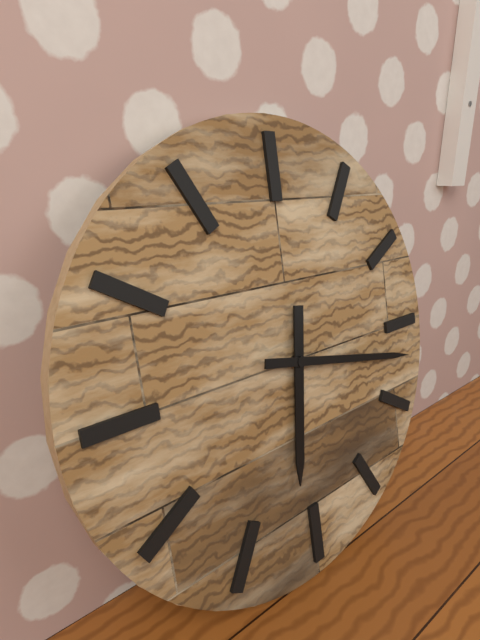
6:17
